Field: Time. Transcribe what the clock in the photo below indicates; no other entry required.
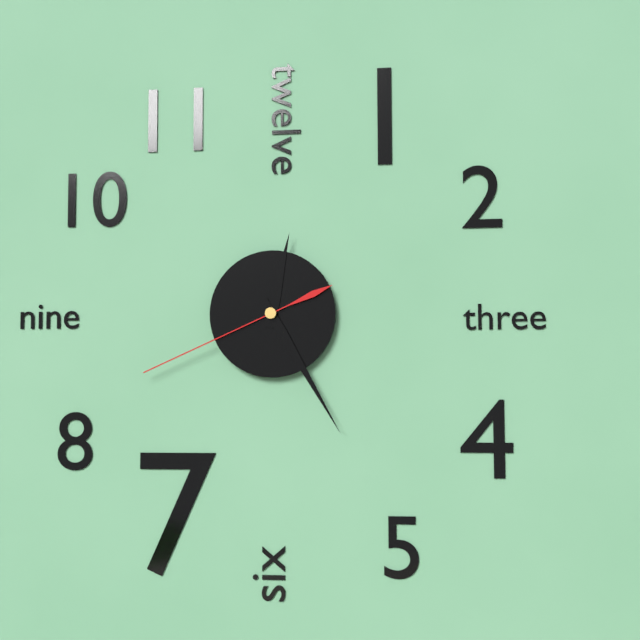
12:25:41
